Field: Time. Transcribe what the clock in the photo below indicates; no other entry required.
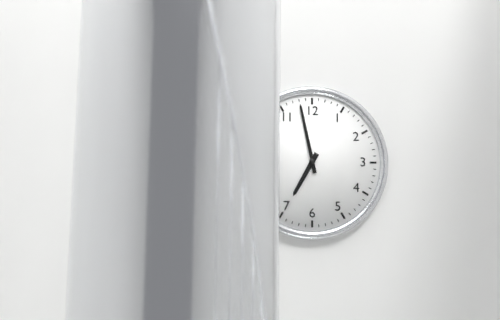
6:58
